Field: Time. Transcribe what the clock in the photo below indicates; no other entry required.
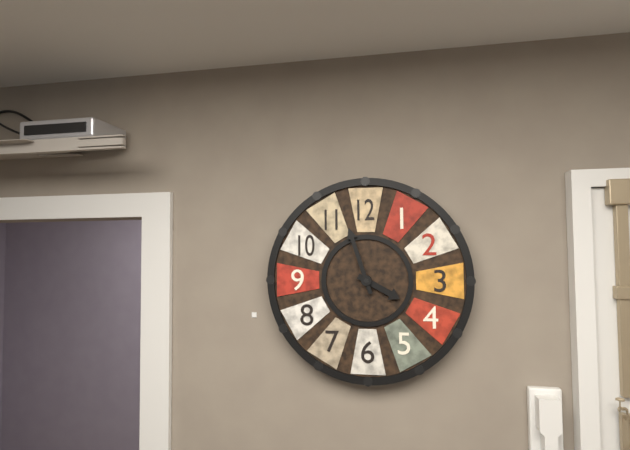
3:57
